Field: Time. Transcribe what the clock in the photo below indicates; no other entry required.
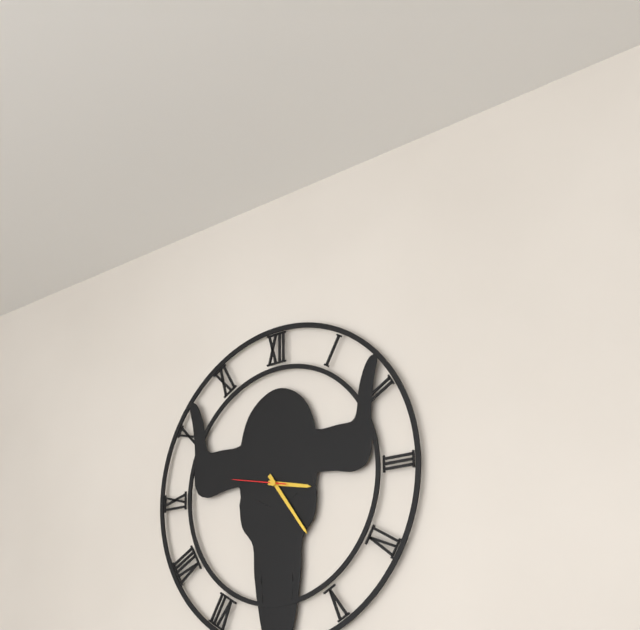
3:24:47
